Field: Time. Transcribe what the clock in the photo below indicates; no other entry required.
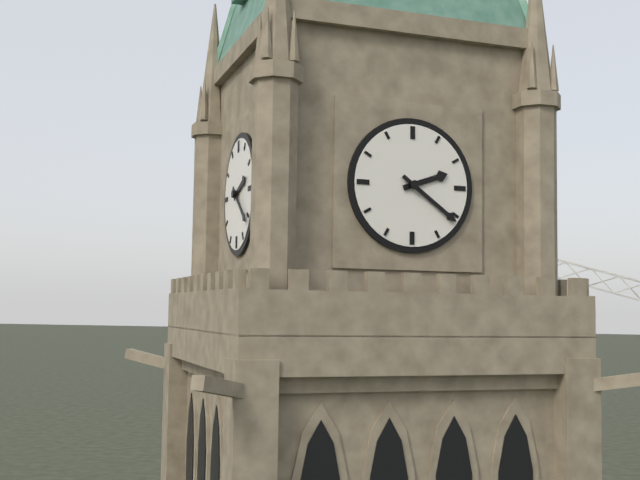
2:21
